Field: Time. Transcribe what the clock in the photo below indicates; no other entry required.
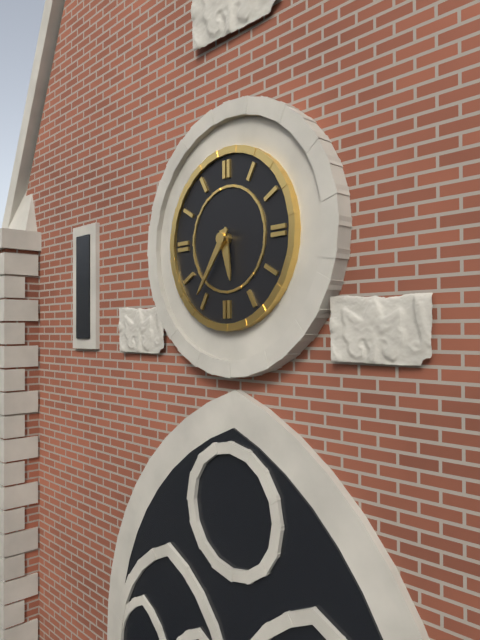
5:36
